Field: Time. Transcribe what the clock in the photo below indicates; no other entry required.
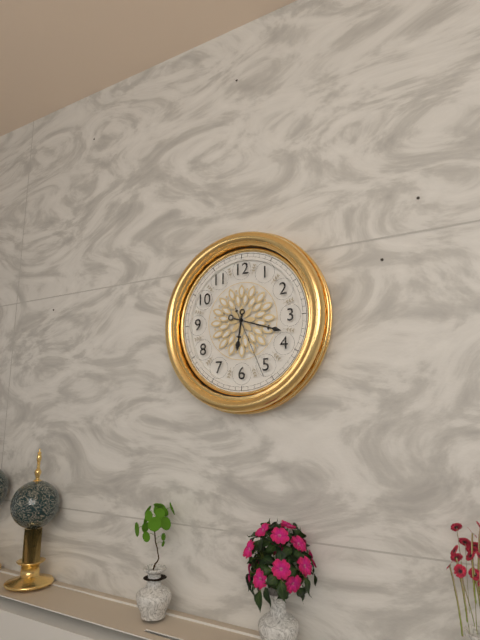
6:18:26
